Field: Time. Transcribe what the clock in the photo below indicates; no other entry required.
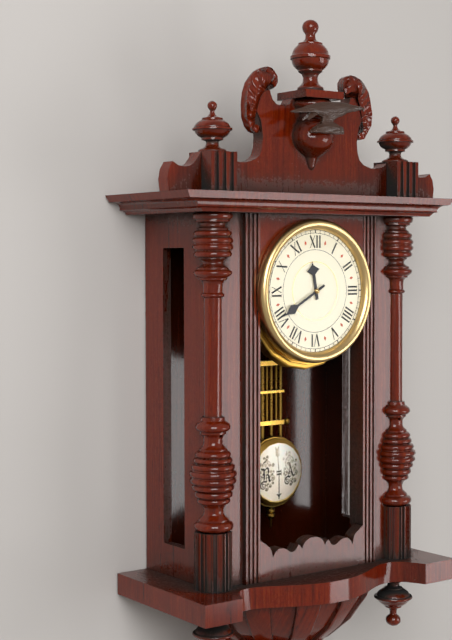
11:40
